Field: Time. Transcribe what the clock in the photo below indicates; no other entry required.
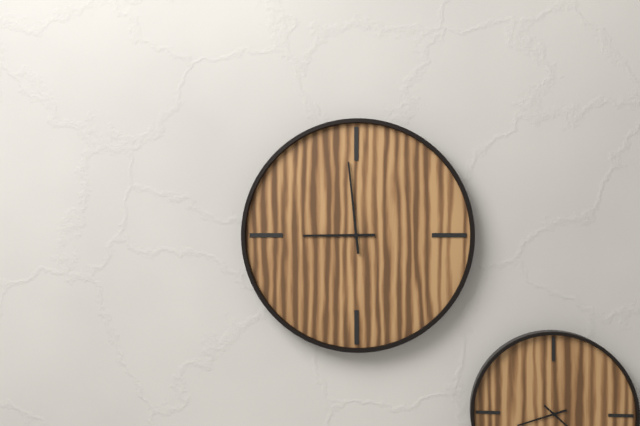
8:59
